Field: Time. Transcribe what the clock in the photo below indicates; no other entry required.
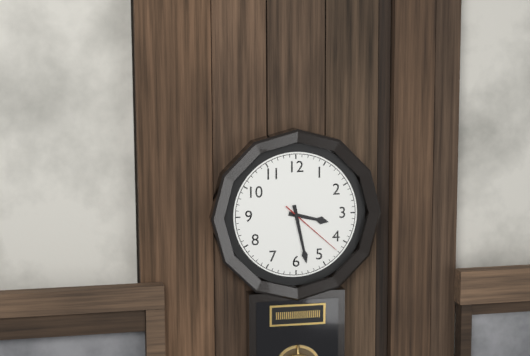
3:28:22
